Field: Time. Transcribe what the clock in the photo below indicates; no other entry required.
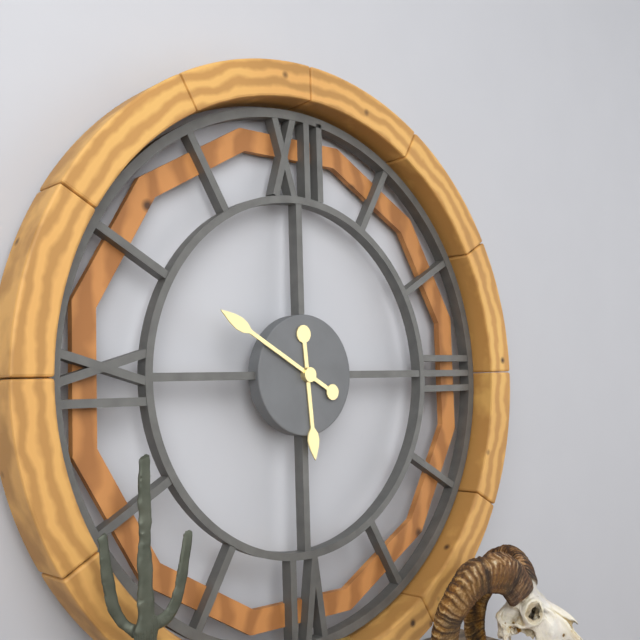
5:50
